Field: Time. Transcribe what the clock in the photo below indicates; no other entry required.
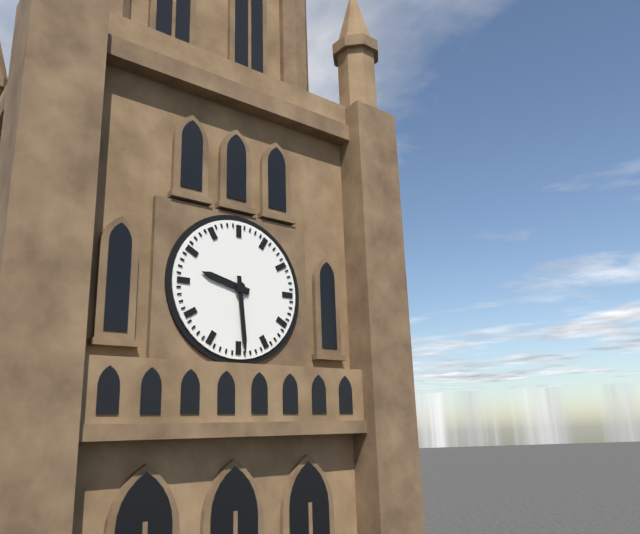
9:29
